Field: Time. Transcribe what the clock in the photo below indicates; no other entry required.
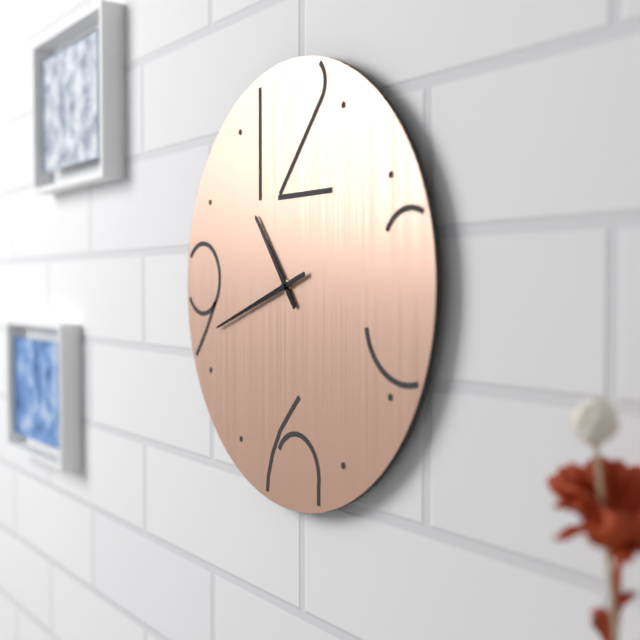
10:42
